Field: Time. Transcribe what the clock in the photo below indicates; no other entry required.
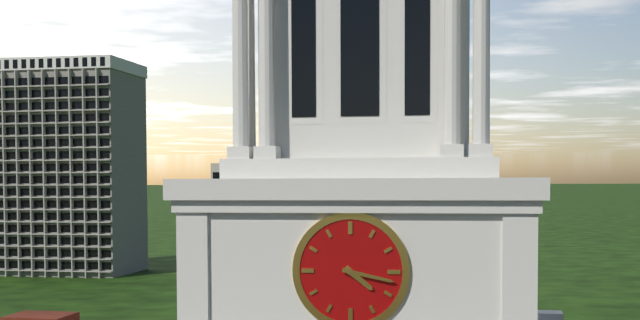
4:17
